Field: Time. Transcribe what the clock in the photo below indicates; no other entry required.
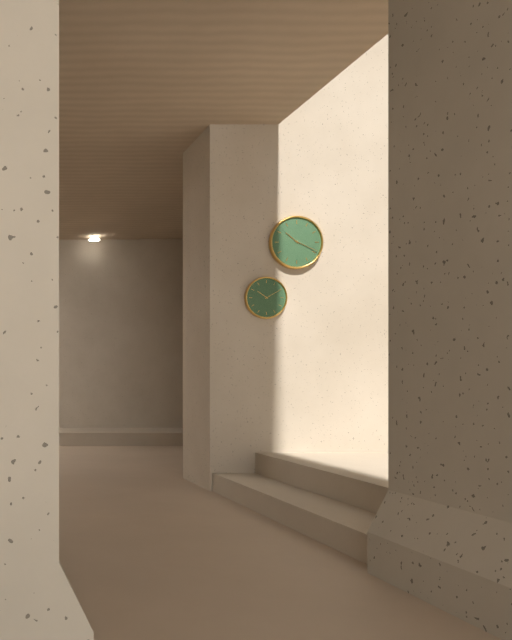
10:19
